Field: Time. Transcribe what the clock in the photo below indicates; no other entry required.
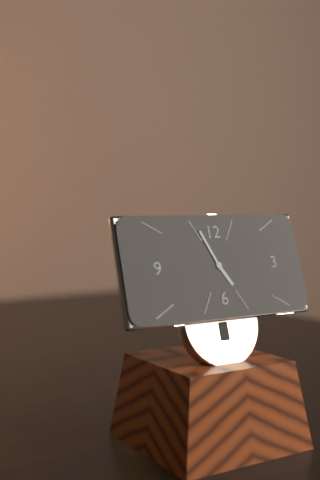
4:56
